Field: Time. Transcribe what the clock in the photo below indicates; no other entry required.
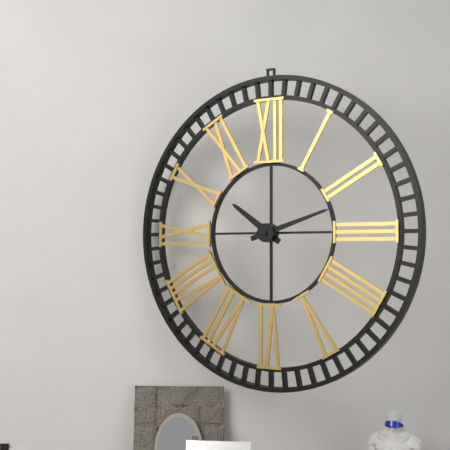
10:12
